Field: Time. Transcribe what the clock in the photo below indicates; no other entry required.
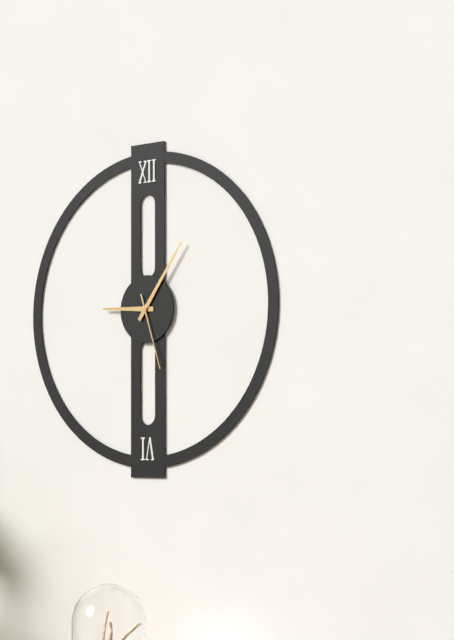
9:06:27
